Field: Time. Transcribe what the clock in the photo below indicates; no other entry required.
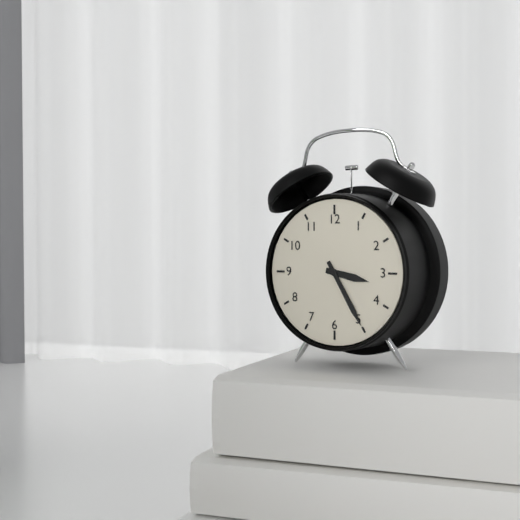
3:25
